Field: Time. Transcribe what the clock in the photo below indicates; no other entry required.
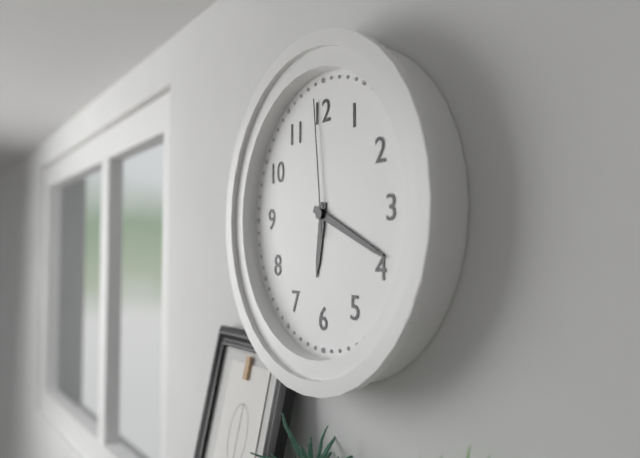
6:19:59
